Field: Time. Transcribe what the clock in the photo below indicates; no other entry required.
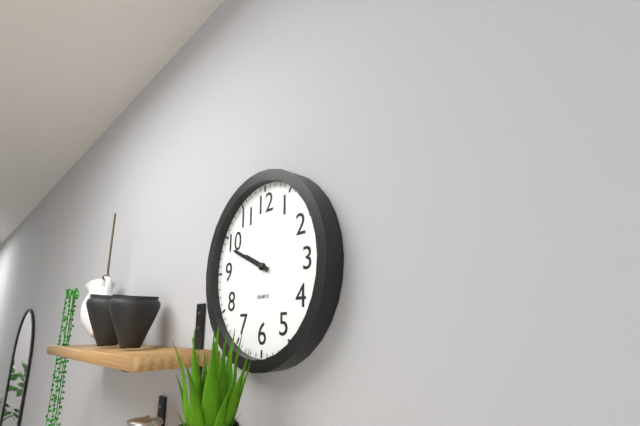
9:49
